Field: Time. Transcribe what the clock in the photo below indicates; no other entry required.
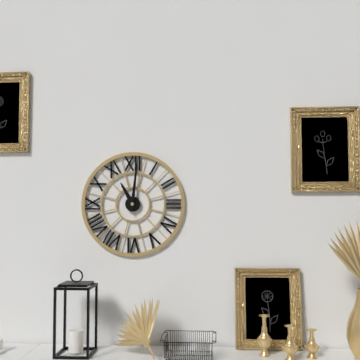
11:01
